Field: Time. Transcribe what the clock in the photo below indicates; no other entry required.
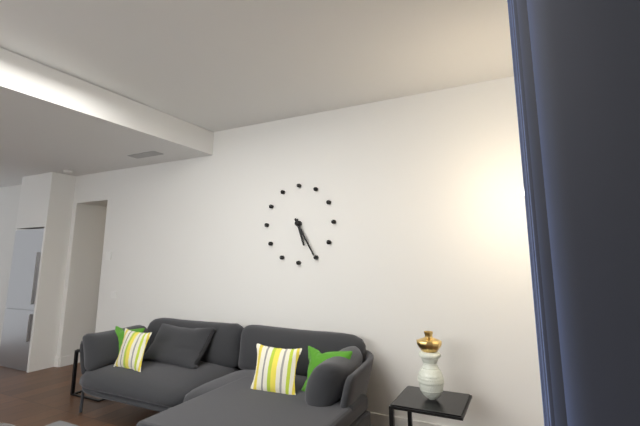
5:25
